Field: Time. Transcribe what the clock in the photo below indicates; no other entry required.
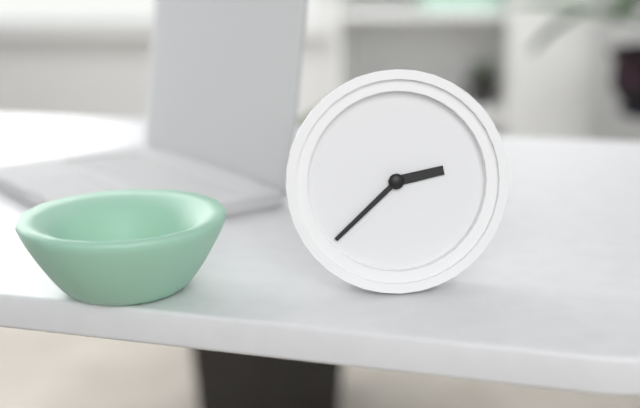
2:38
